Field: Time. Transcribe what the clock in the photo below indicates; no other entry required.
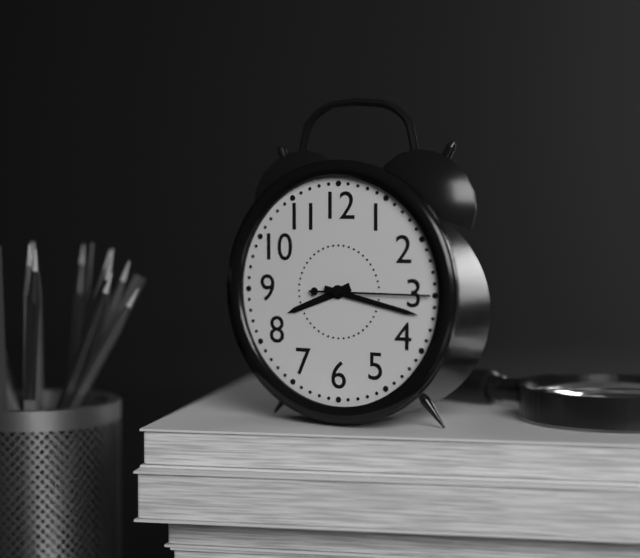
8:17:15
